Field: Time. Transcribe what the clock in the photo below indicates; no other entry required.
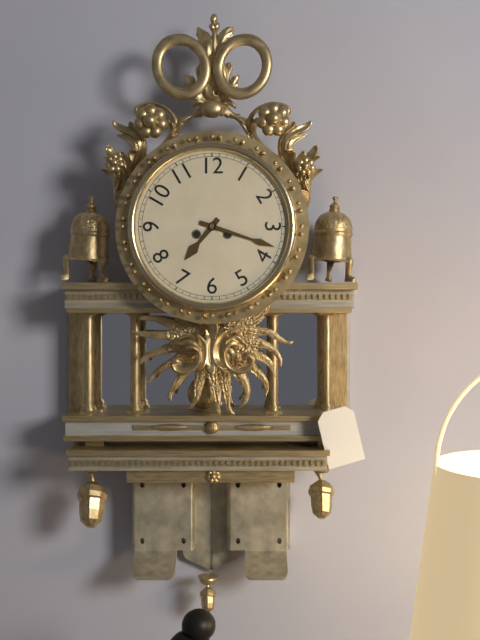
7:18
